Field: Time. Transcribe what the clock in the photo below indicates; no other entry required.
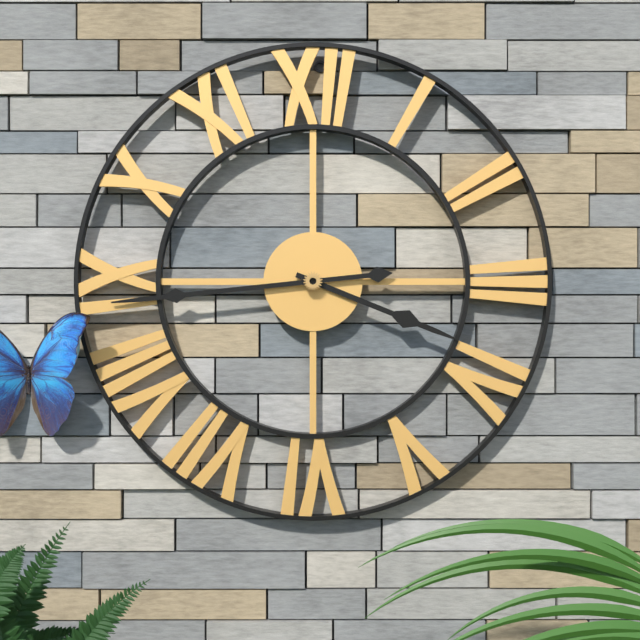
3:44
